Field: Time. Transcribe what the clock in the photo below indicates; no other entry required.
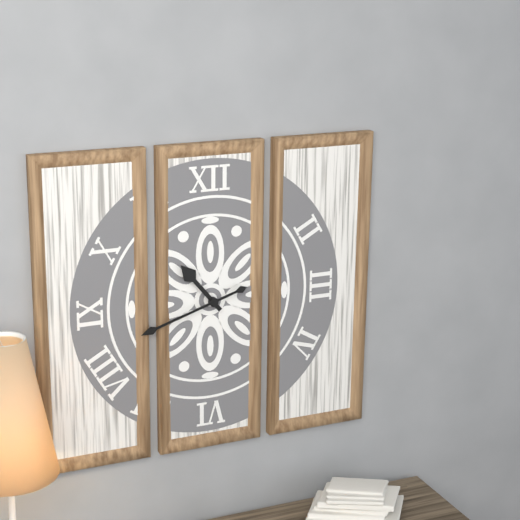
10:42
